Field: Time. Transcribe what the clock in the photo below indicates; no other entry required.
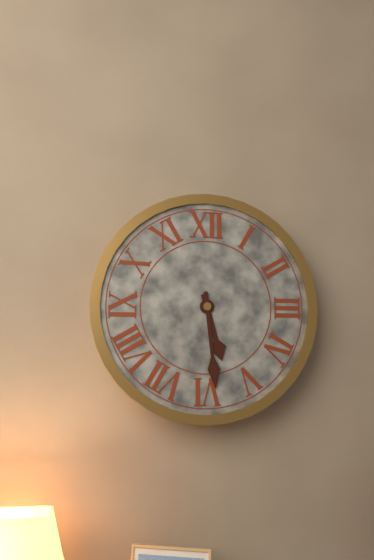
5:29
